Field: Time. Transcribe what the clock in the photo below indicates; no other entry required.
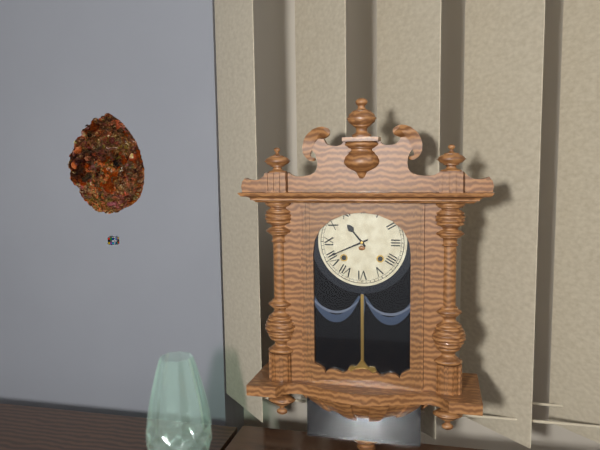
10:41
